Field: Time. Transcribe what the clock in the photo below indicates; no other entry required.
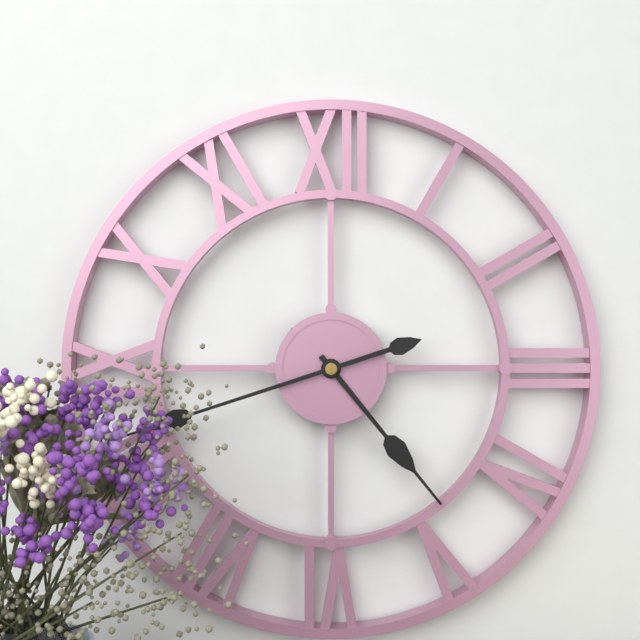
4:42
